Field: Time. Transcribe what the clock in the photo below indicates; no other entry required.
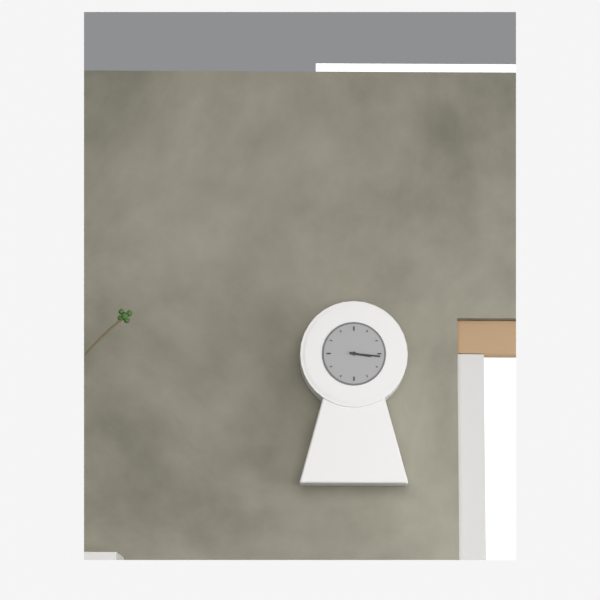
3:16
